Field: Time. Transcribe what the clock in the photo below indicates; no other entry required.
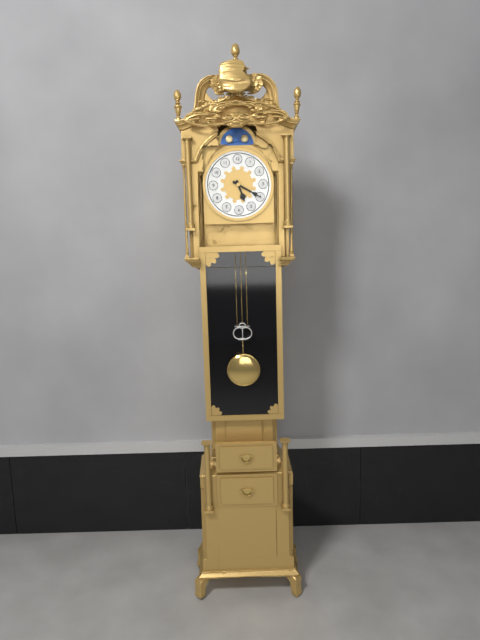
5:20
